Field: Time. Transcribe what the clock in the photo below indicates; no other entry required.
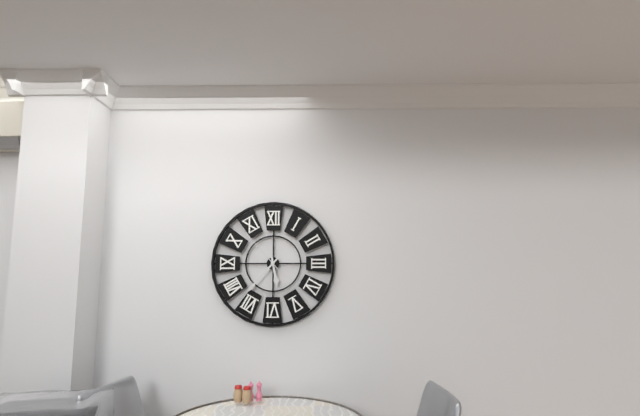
5:37:53
